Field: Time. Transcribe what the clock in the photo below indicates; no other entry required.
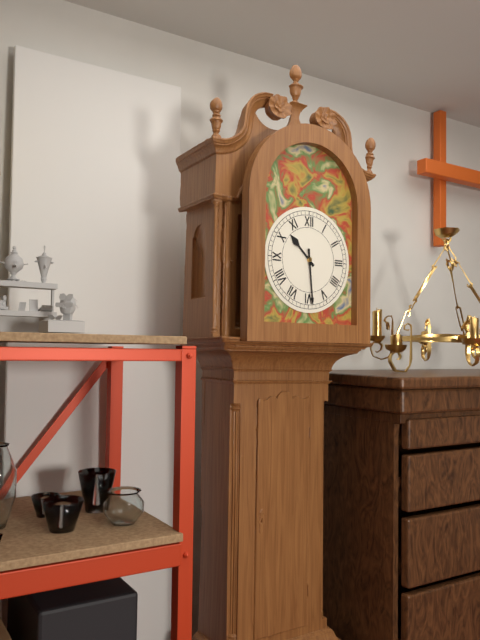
10:29
